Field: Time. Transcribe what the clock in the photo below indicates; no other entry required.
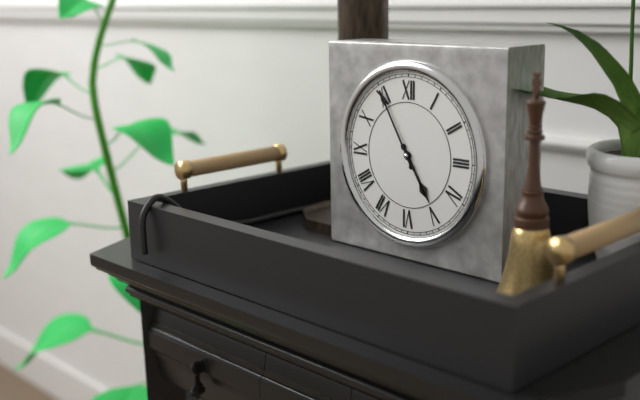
4:55
